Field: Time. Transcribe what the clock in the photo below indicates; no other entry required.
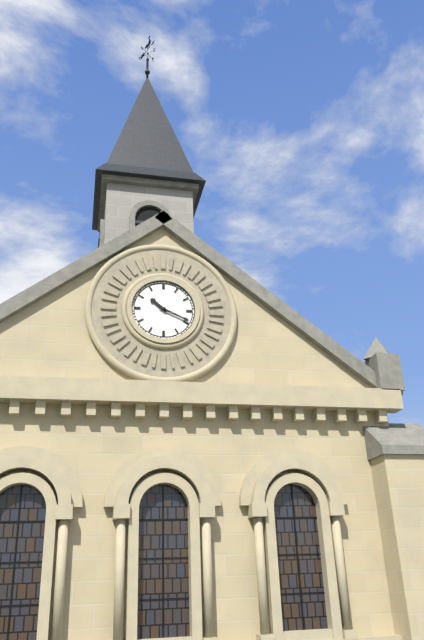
10:19
